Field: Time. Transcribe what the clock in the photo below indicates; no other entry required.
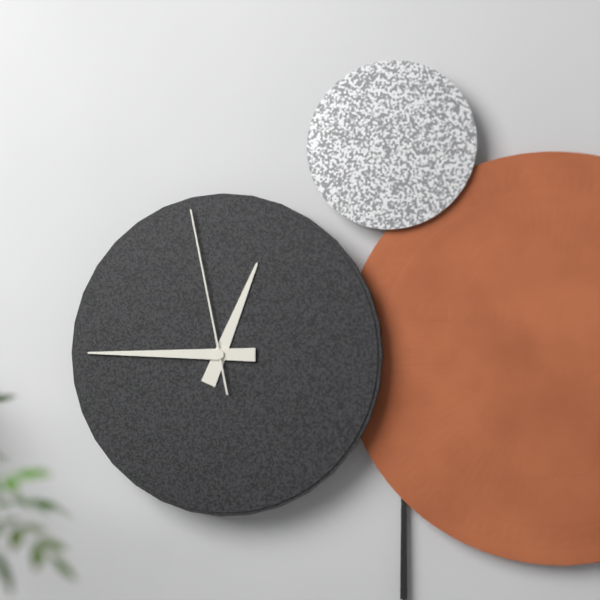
12:45:58
